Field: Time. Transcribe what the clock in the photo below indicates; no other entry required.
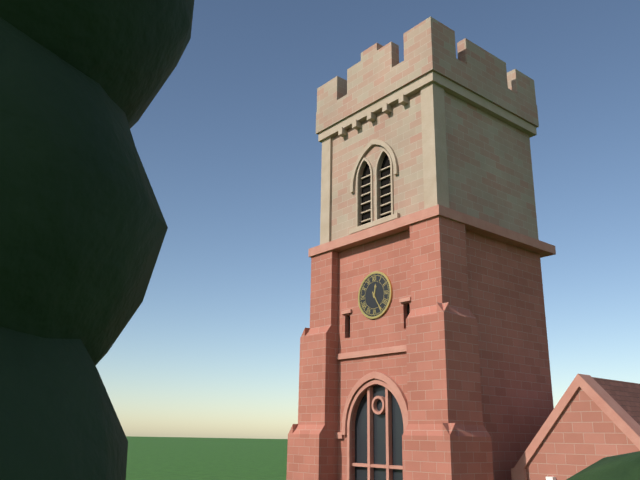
12:25
